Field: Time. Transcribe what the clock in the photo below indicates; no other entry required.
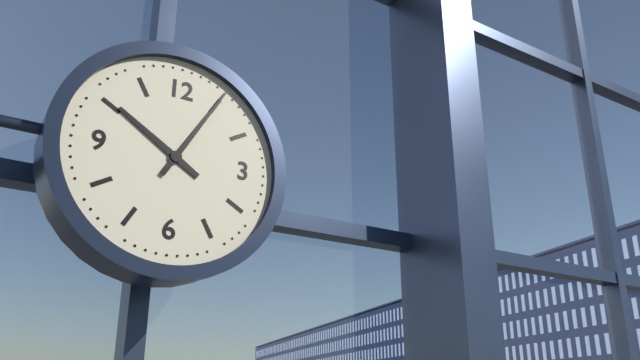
10:05
